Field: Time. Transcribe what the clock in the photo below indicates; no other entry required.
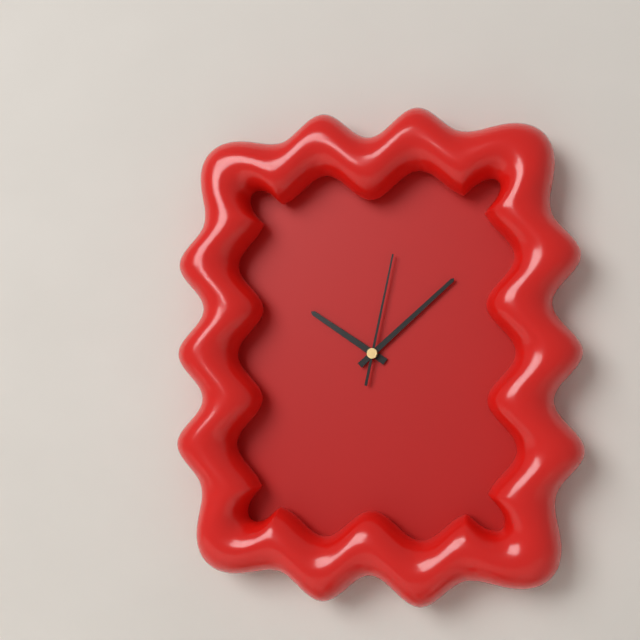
10:08:02
